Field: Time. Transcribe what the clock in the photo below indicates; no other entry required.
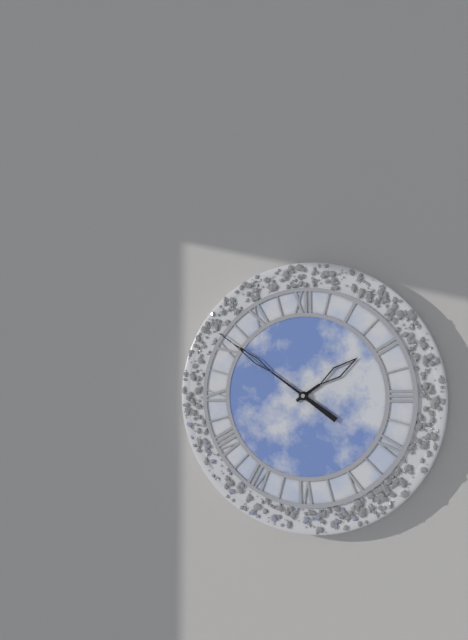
1:51
